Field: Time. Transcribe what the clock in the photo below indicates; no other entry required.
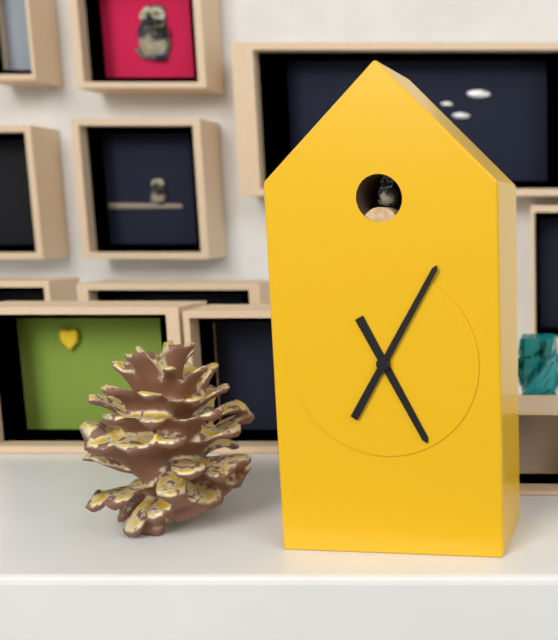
5:05
